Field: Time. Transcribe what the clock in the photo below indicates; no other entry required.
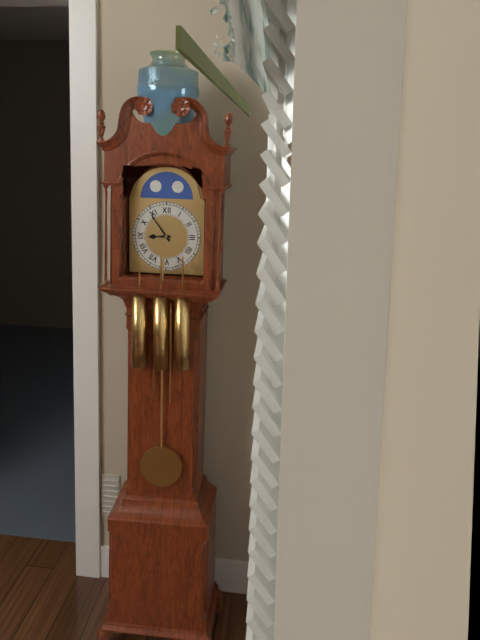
8:54
